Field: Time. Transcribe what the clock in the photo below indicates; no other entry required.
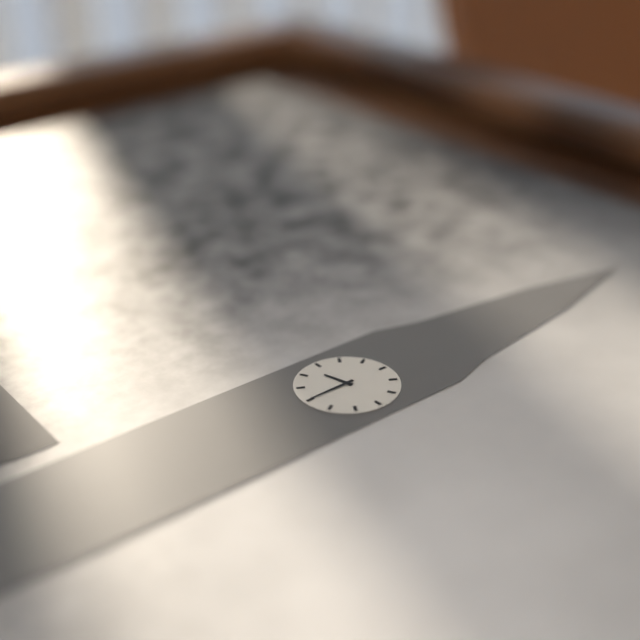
8:30
